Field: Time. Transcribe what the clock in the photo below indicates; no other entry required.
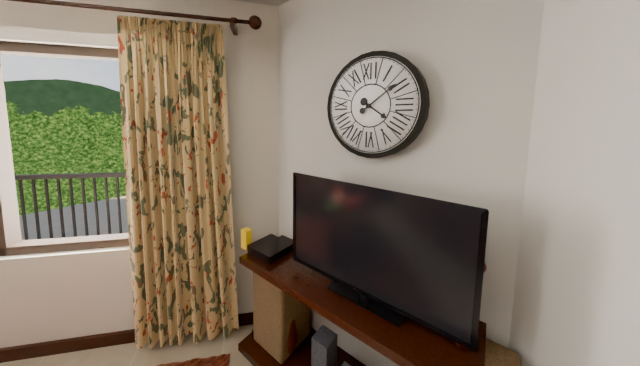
4:09
